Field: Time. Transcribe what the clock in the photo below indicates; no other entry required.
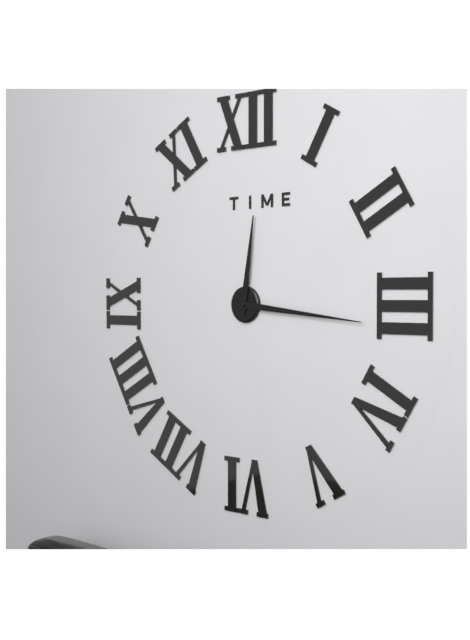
12:16
